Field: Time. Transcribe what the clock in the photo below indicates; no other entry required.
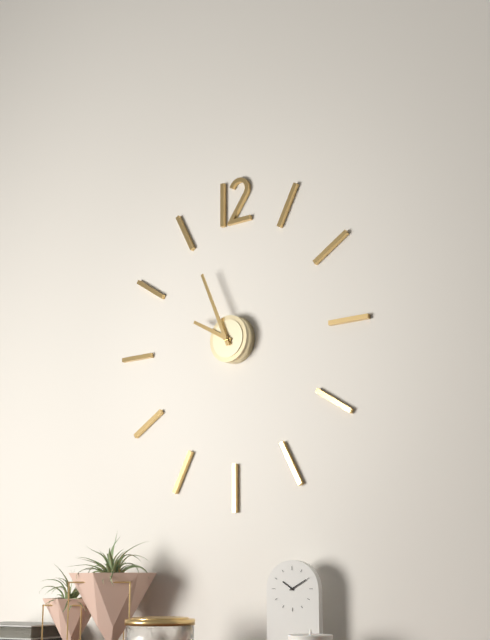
9:56
